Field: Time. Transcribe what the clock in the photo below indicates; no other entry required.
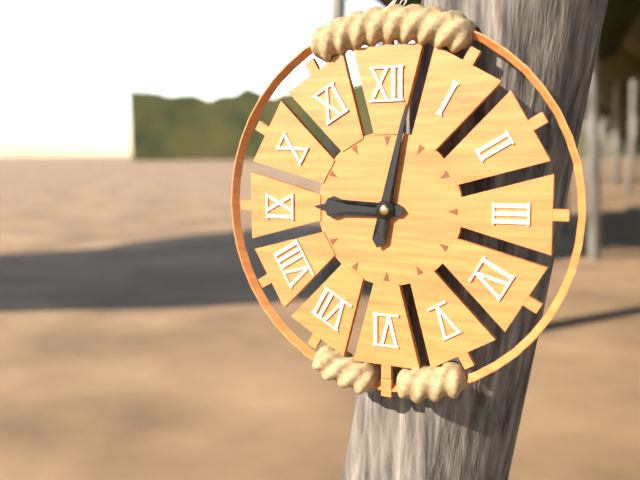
9:02
